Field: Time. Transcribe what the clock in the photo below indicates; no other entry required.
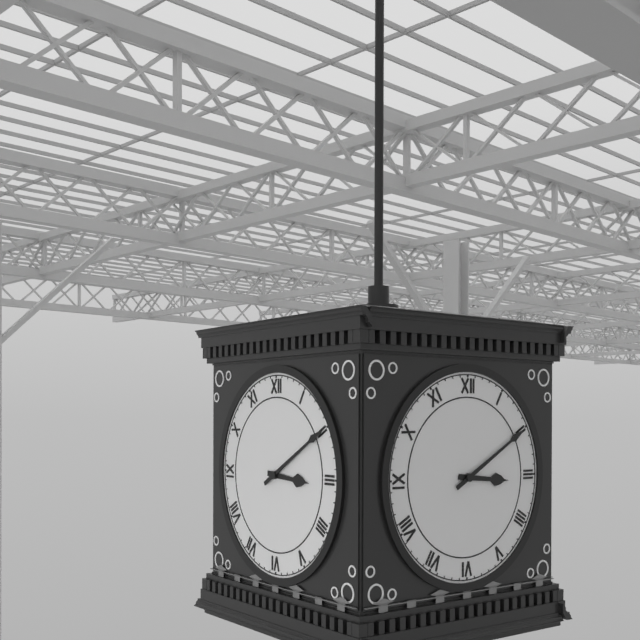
3:10
